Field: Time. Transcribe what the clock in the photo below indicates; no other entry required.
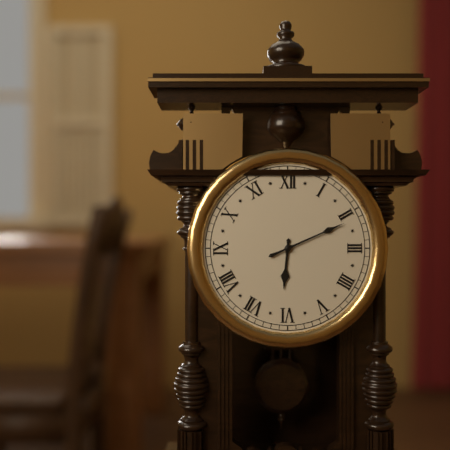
6:11
